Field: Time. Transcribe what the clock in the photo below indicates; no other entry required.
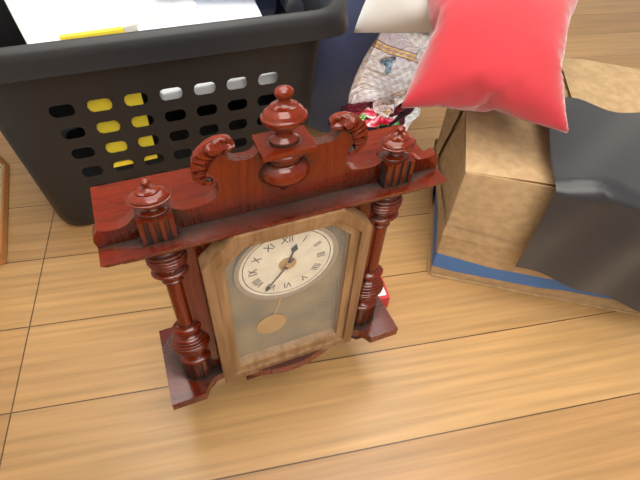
12:36
